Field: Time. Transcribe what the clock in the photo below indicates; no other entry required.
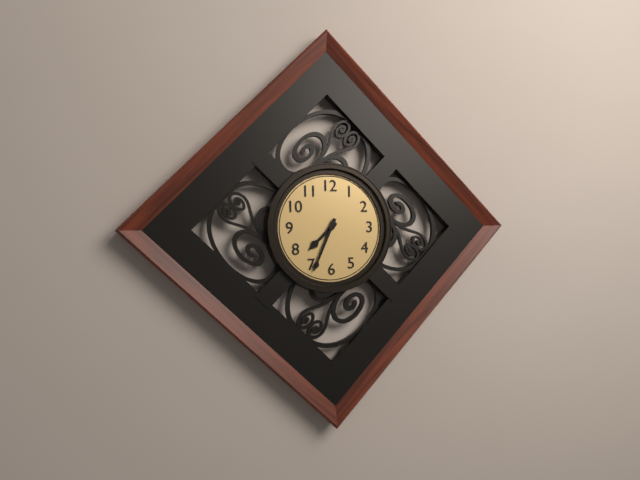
7:34
